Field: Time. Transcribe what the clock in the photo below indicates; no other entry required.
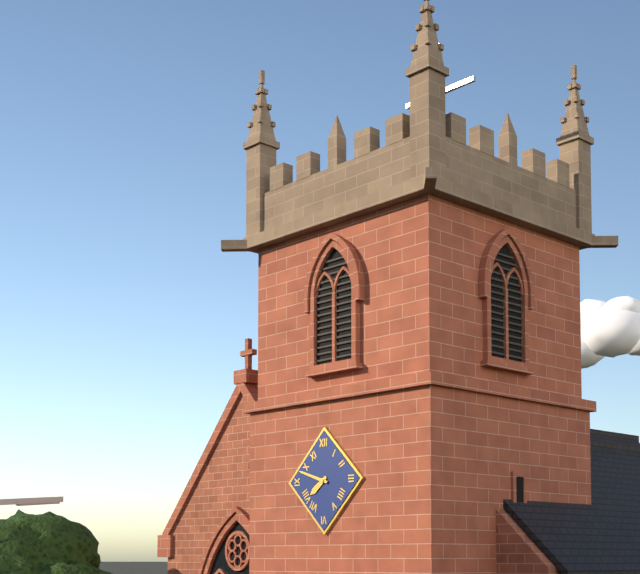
7:48
